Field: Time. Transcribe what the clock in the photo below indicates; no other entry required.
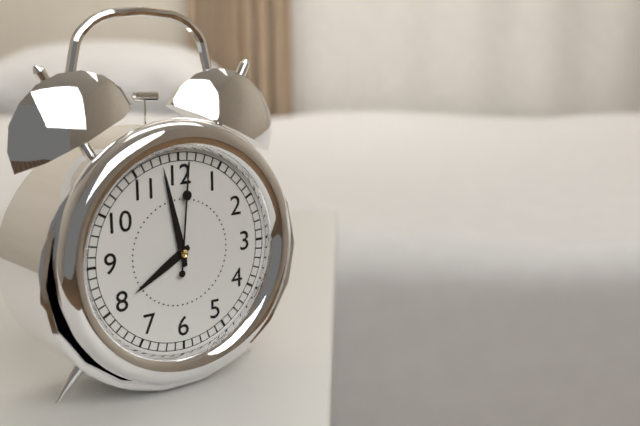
7:58:01
